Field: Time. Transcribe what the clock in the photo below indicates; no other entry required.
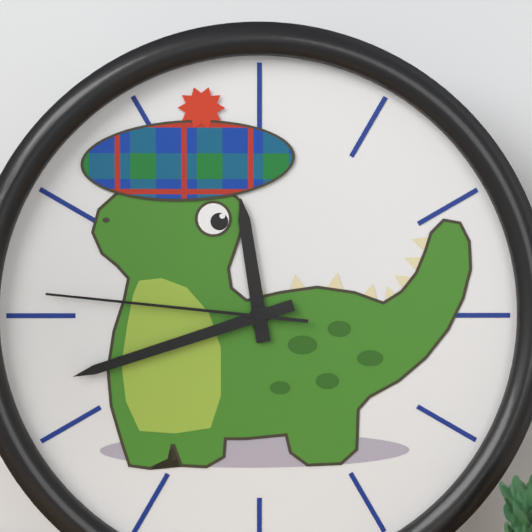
11:42:46
